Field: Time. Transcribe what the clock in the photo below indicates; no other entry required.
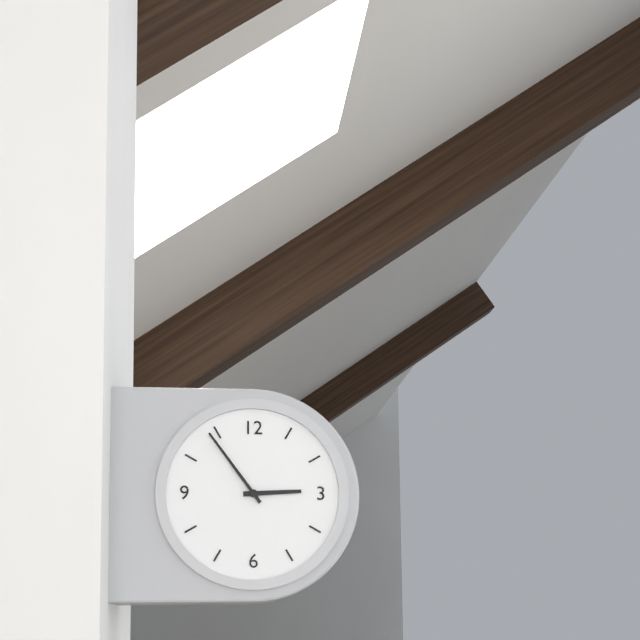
2:54
